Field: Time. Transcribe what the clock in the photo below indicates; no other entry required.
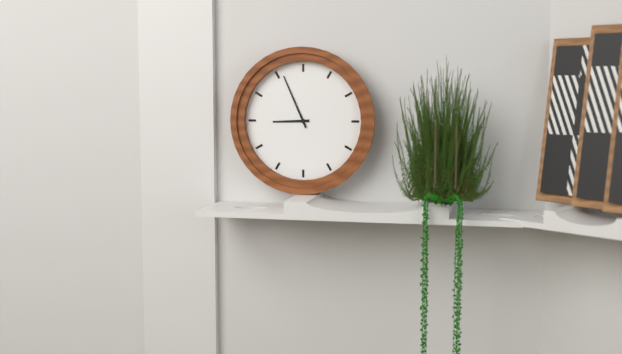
8:56
